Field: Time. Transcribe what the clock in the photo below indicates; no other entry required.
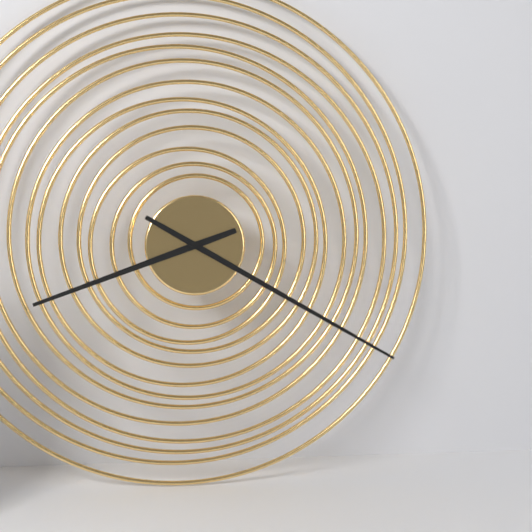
8:20
